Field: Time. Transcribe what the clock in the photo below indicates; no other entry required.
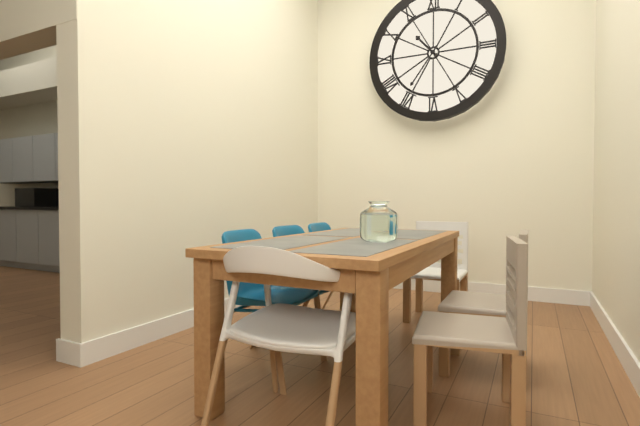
10:36
